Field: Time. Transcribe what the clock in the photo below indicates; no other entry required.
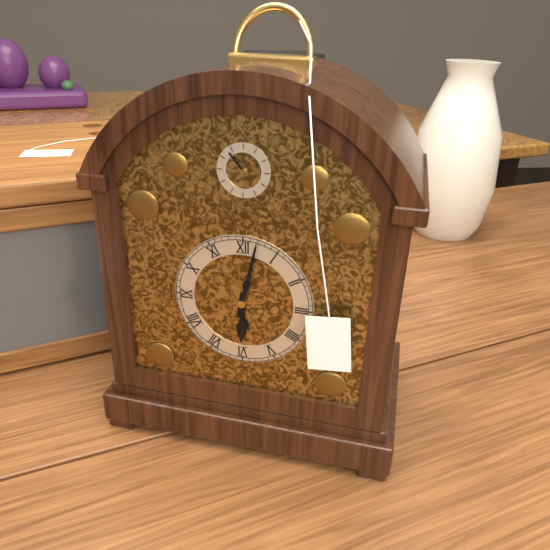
6:02
